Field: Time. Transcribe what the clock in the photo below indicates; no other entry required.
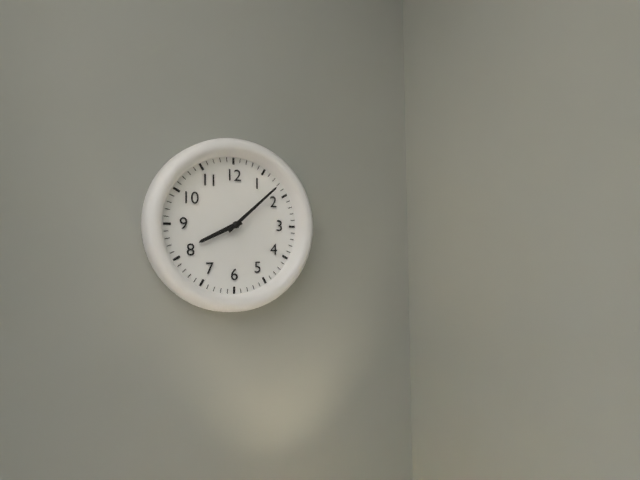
8:08
